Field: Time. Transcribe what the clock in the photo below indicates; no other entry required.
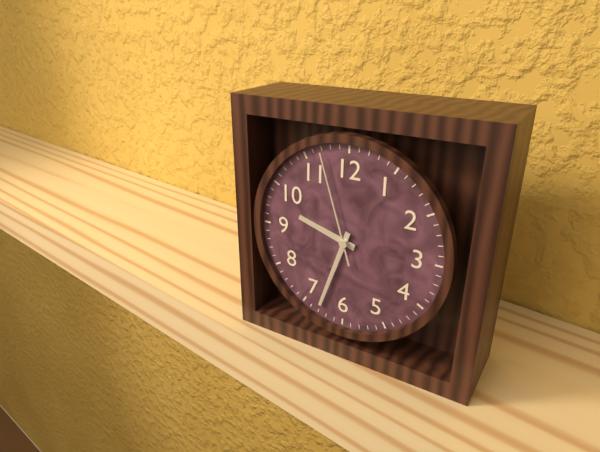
9:33:57
